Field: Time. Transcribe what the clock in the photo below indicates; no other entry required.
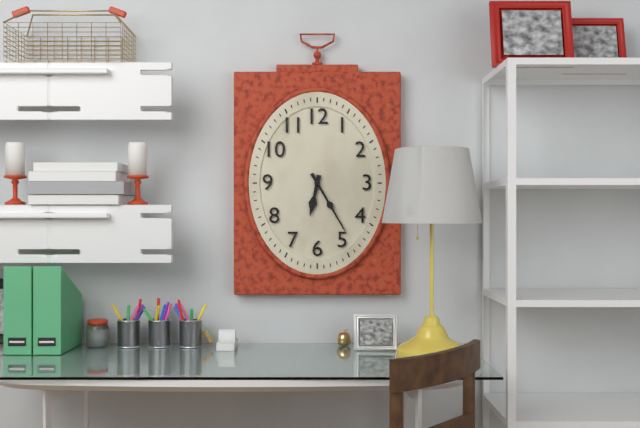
6:25
